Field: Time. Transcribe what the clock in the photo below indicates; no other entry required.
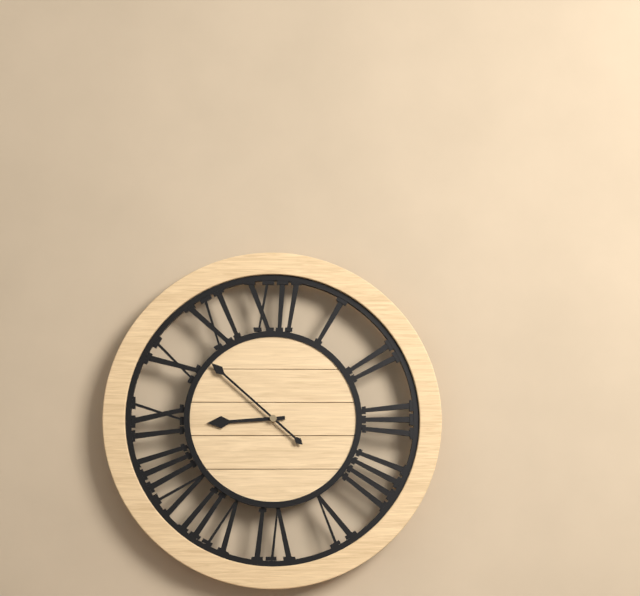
8:52
